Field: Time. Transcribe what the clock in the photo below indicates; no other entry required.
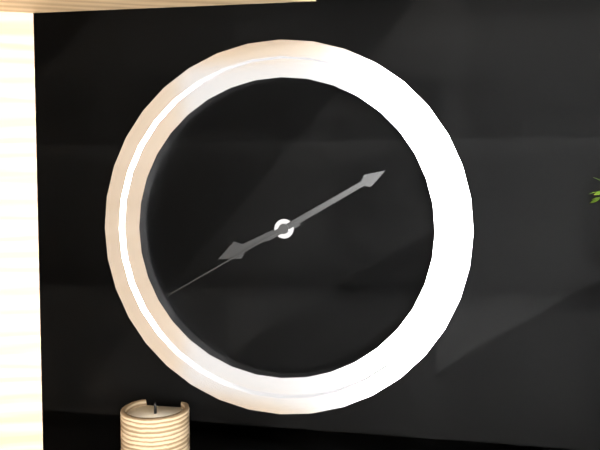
8:10:40
